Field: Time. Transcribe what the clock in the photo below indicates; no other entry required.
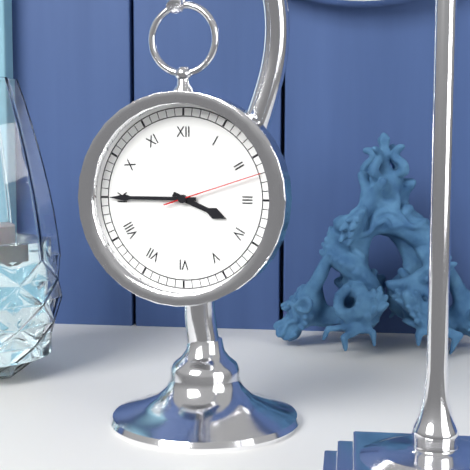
3:45:12
